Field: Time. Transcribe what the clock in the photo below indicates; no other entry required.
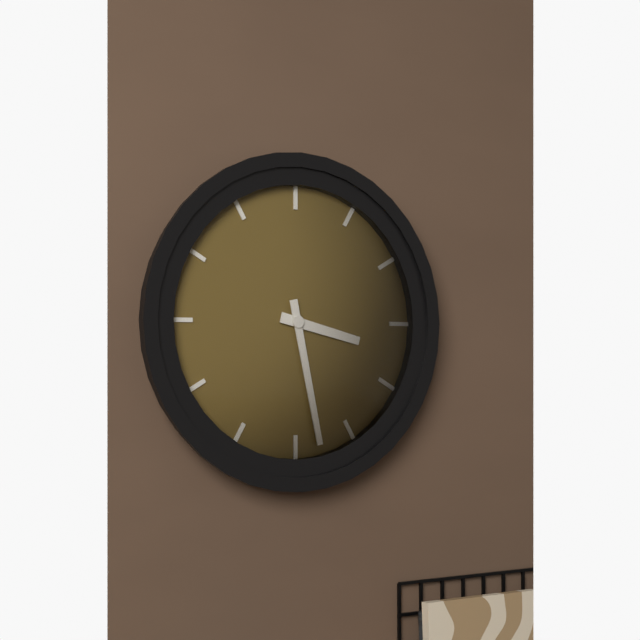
3:28
